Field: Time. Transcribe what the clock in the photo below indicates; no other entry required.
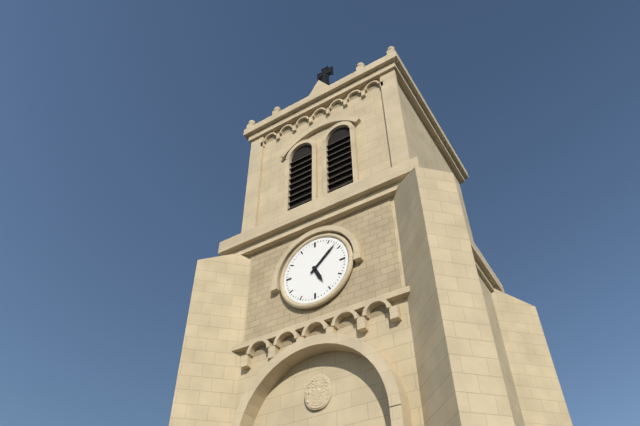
5:08
